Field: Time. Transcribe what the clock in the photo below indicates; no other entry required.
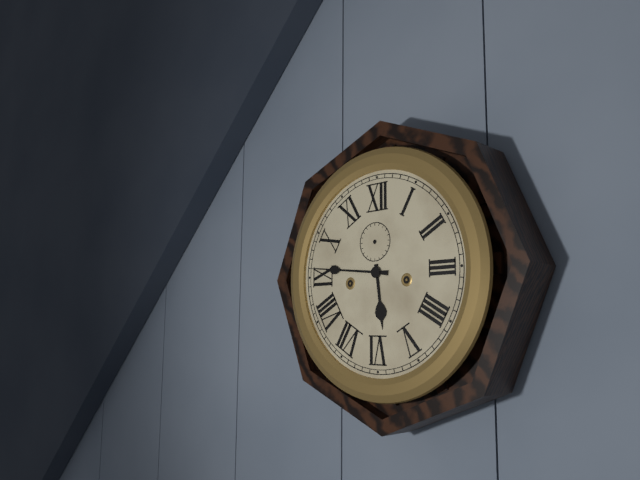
5:46
